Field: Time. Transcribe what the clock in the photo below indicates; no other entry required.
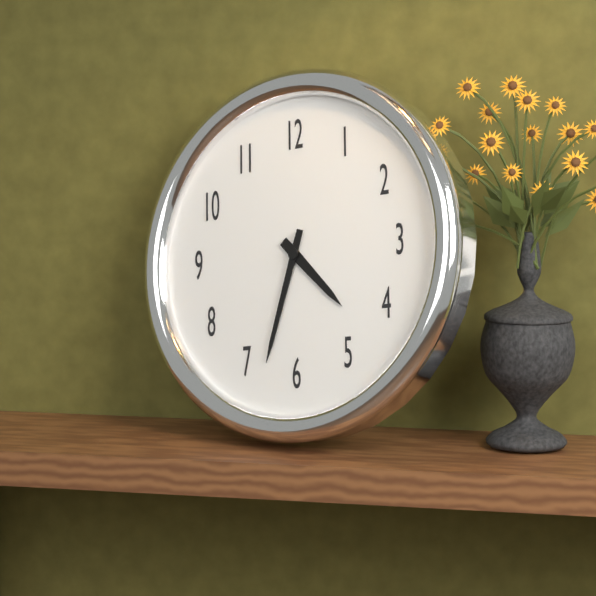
4:33
